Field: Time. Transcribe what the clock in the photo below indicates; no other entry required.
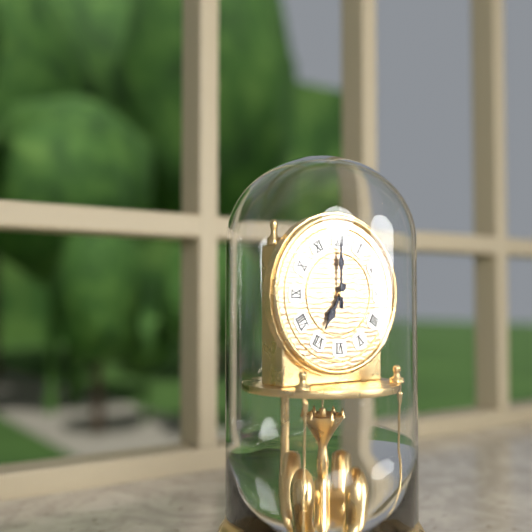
7:00
